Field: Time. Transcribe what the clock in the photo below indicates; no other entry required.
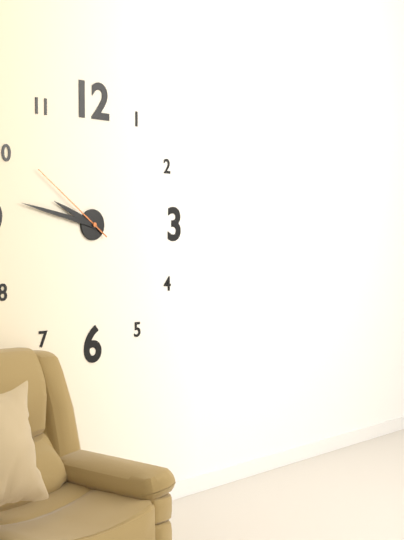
9:47:51
